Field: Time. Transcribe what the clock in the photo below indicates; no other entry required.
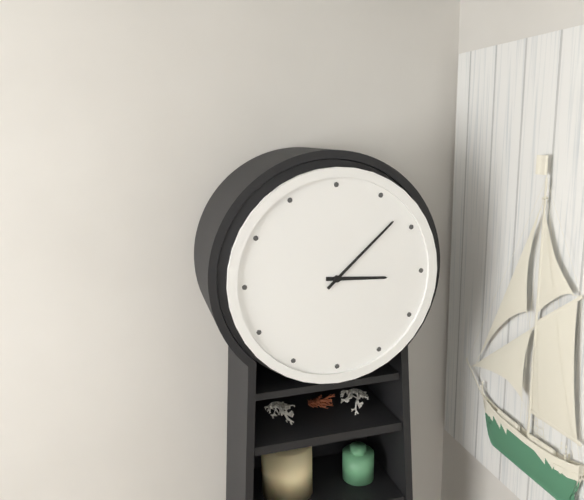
3:08
